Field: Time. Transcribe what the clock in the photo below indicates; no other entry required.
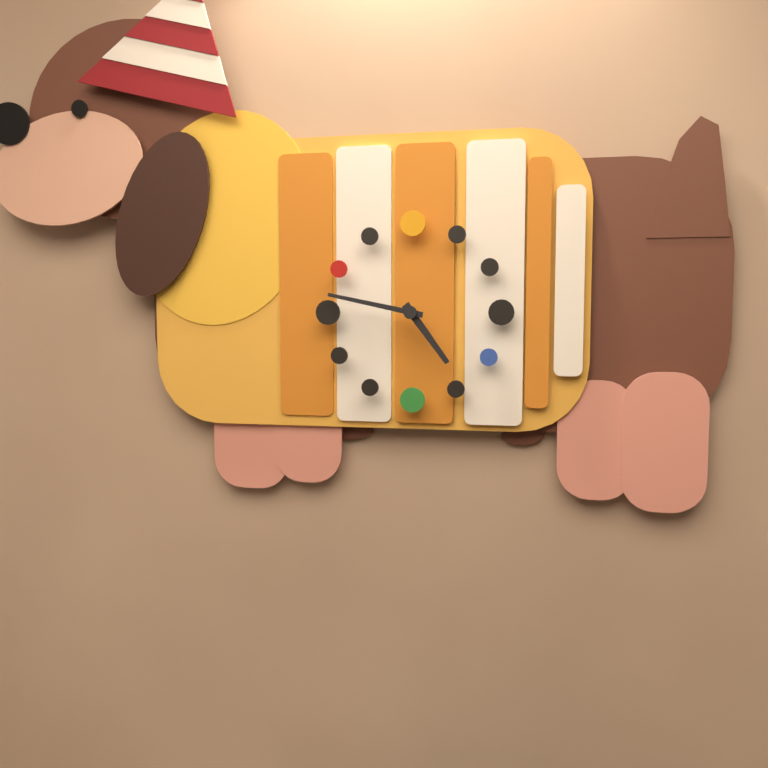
4:47
